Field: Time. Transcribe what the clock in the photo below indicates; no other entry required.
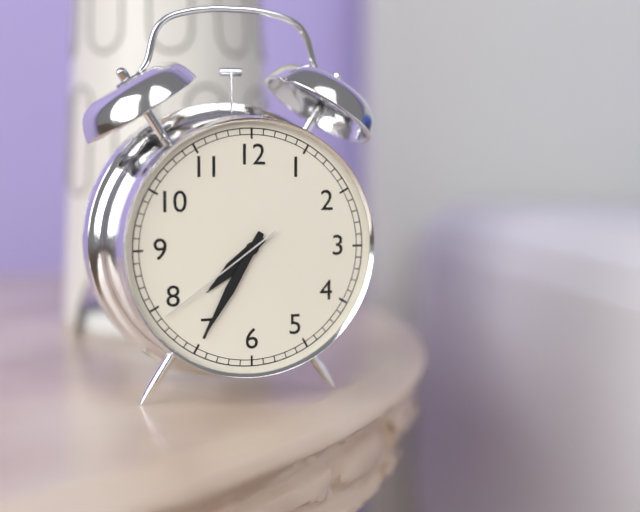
7:35:39
